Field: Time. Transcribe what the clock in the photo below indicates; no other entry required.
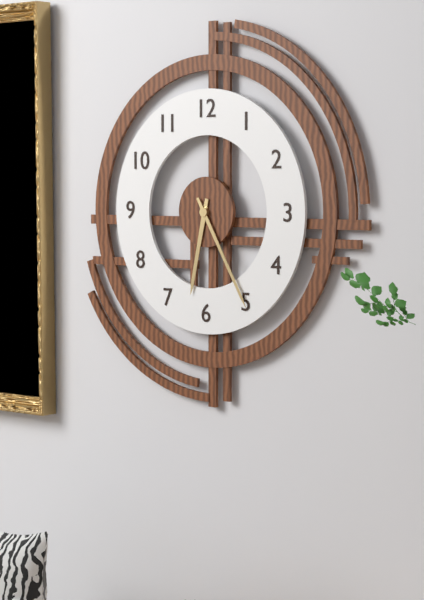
6:25
